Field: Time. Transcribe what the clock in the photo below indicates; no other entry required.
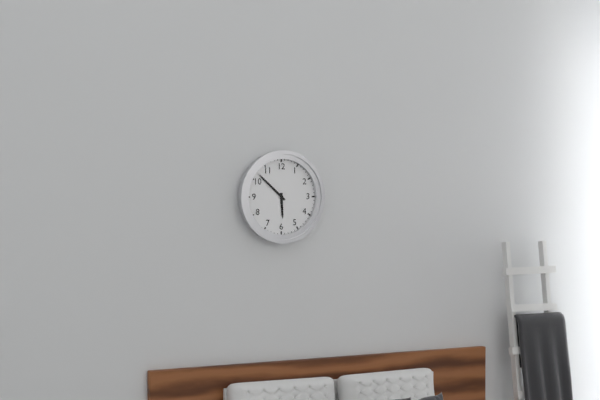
5:52
